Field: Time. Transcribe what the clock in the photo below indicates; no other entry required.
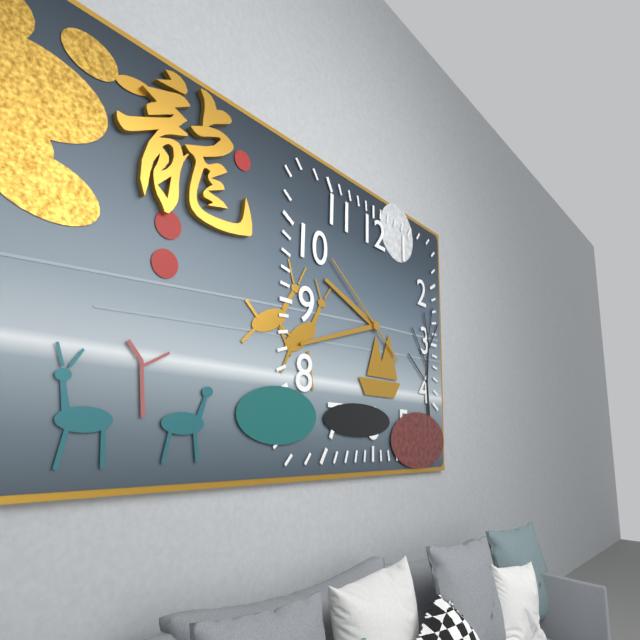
9:42:51
